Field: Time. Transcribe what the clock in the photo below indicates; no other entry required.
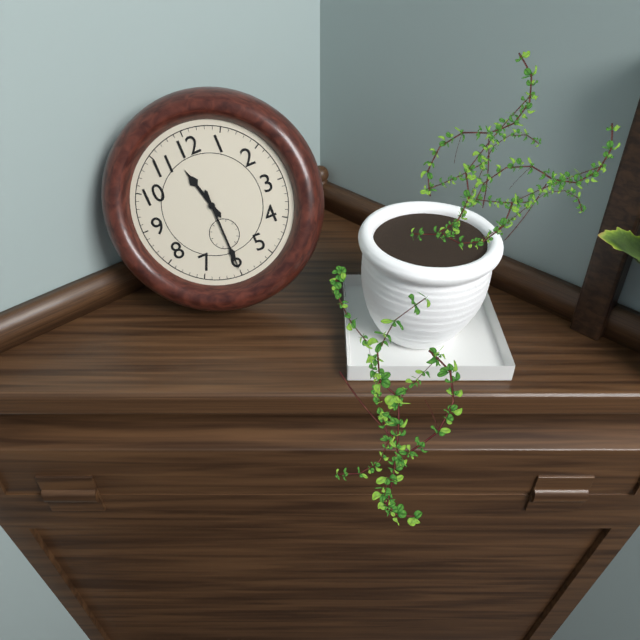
11:30
